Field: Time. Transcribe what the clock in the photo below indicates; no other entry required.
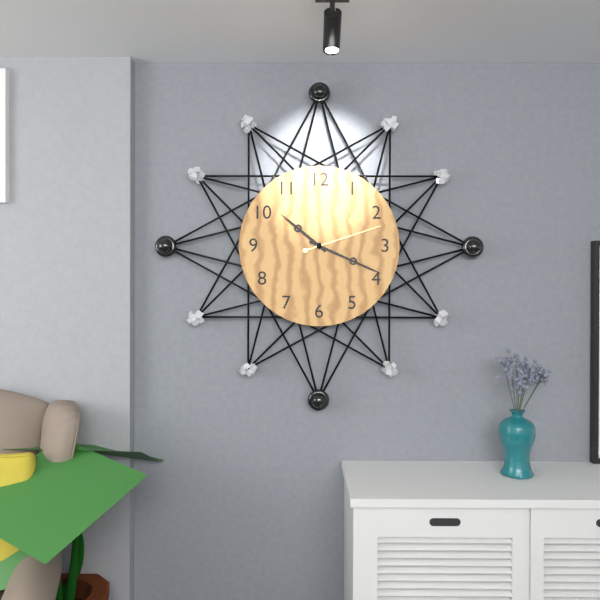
10:19:12
